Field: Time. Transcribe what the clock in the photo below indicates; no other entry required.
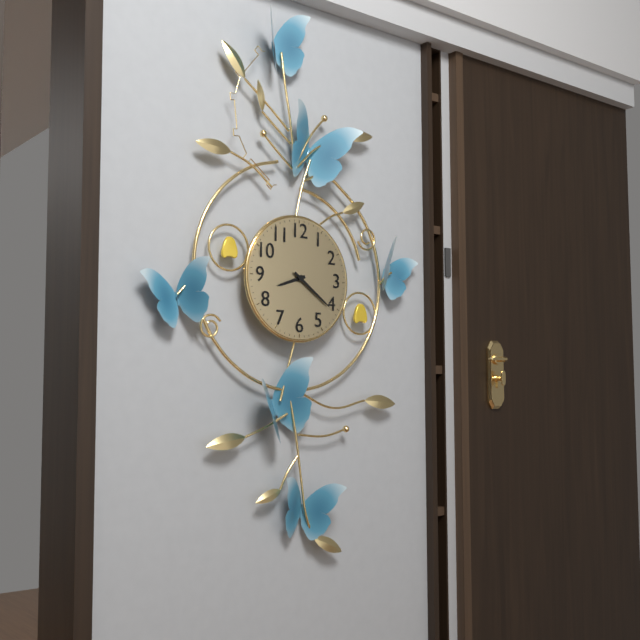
8:21
